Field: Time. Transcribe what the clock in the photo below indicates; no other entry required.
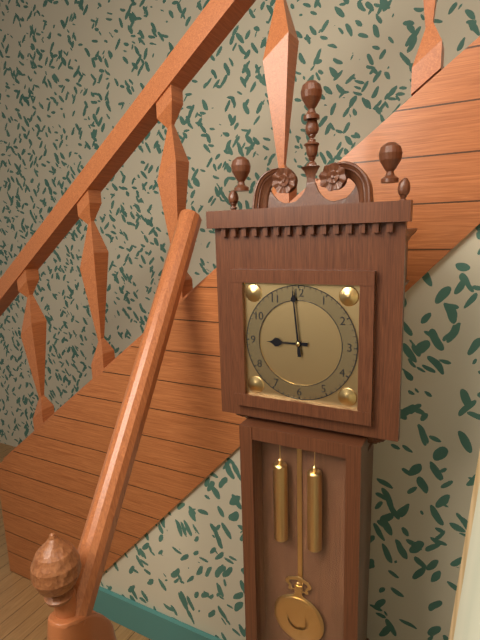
8:59
